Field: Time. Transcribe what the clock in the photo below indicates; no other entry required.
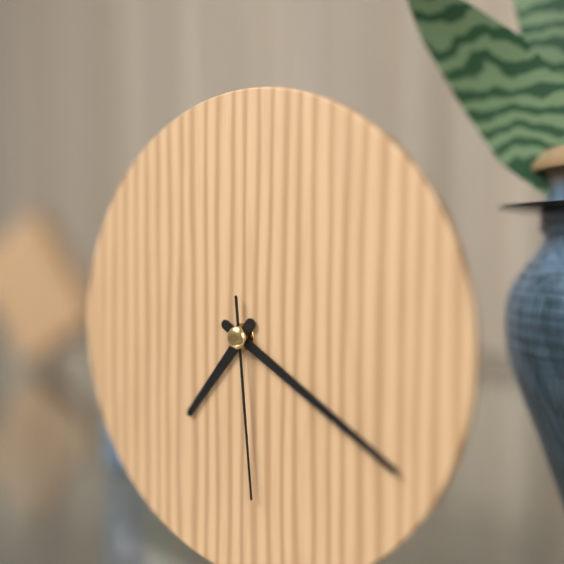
7:20:29
